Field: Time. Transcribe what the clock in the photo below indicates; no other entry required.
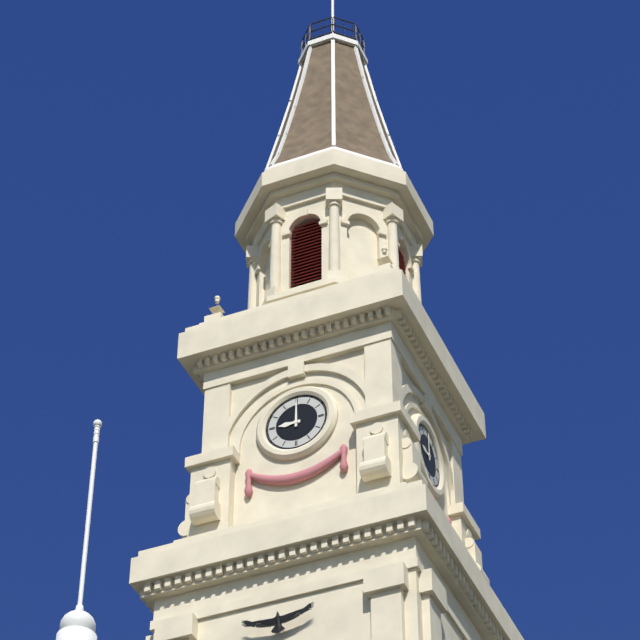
9:00
